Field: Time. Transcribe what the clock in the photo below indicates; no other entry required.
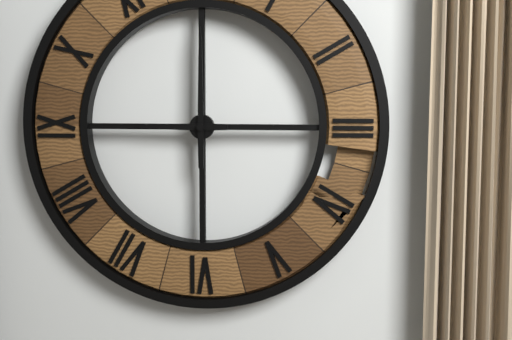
9:00
